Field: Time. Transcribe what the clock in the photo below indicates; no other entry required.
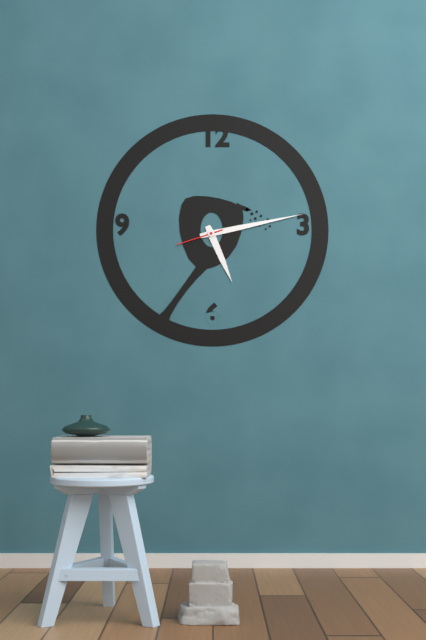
5:13
